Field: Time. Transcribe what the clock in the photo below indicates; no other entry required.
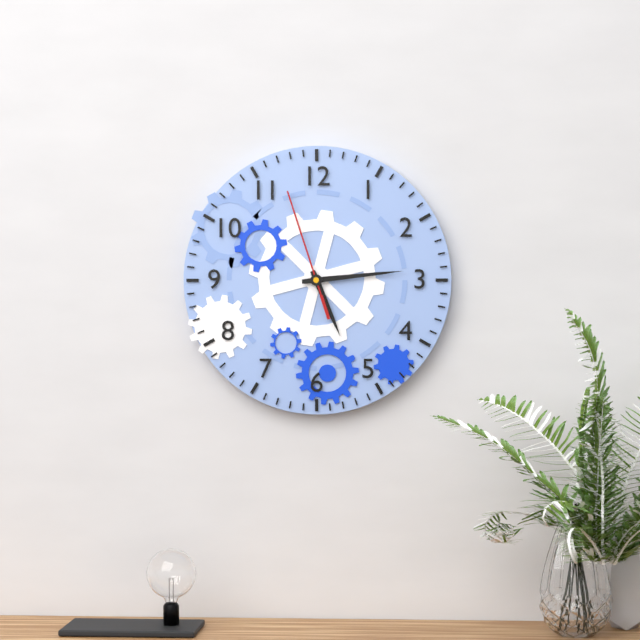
5:14:57
